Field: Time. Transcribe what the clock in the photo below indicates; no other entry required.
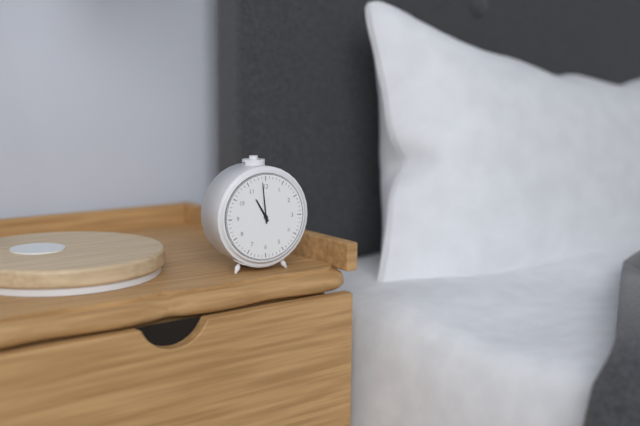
10:59
